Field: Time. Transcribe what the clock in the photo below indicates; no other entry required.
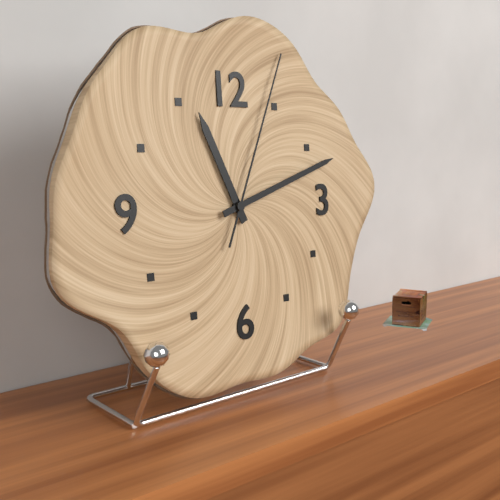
11:12:04
